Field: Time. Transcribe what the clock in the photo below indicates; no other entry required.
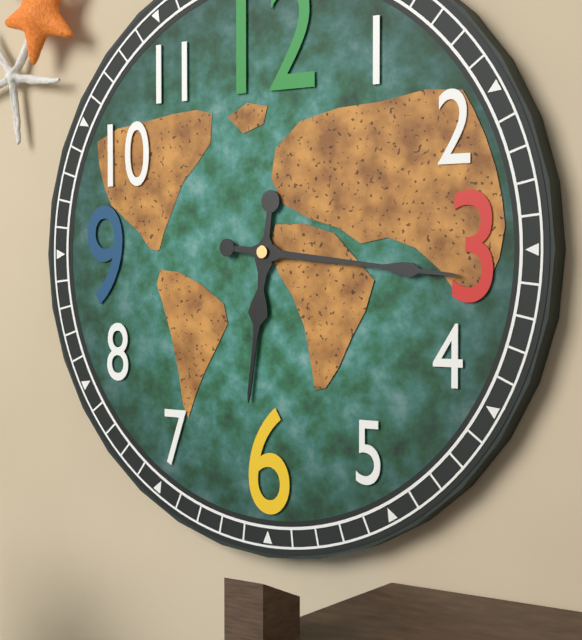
6:16
